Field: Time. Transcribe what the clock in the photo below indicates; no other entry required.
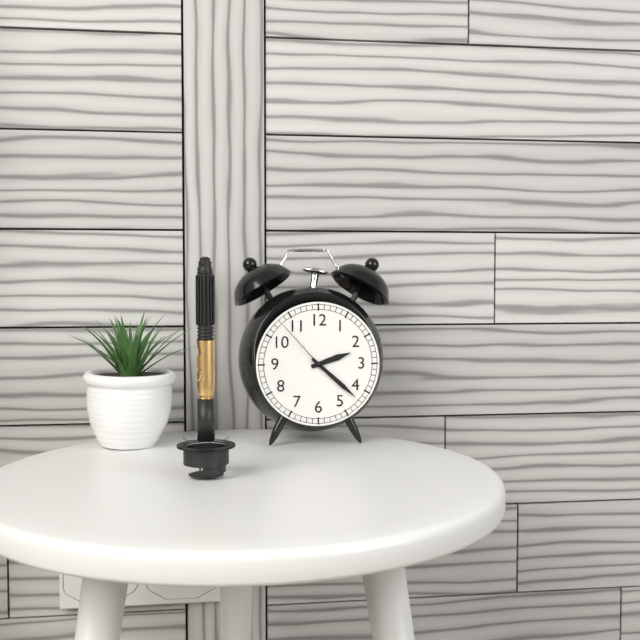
2:22:53
